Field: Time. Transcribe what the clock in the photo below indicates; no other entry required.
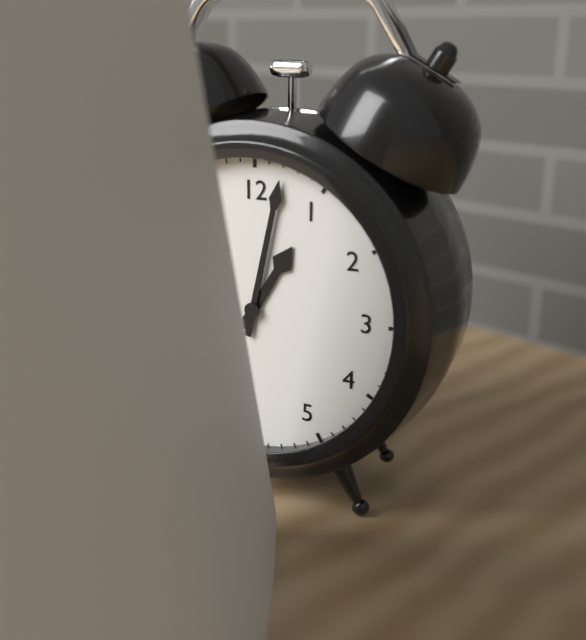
1:02
